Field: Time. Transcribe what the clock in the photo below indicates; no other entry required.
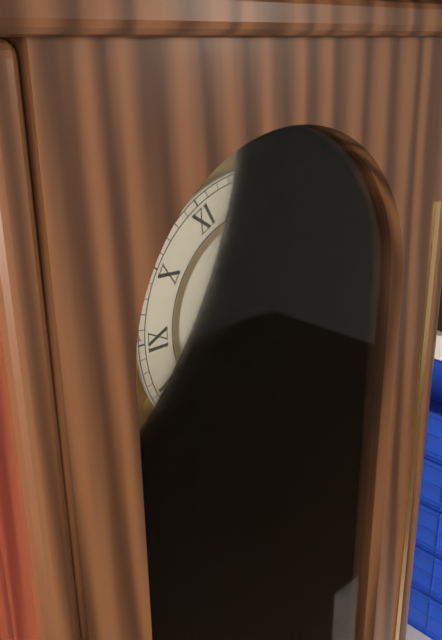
11:13
